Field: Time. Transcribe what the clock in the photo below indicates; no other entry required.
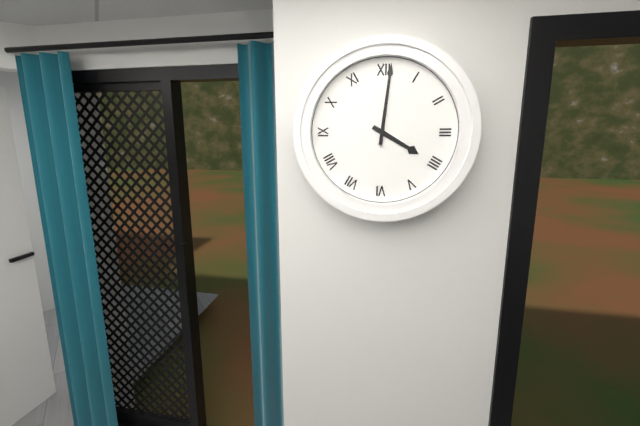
4:01
